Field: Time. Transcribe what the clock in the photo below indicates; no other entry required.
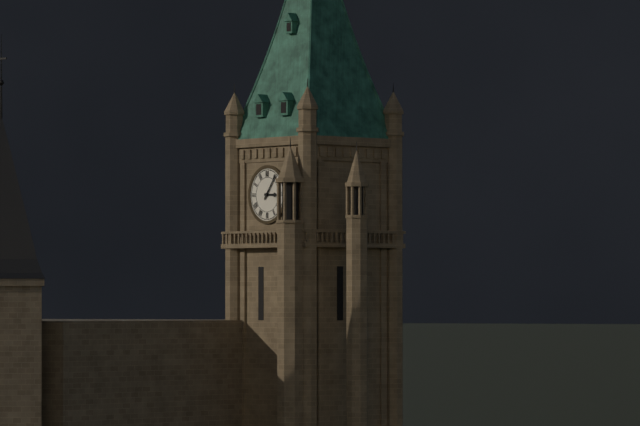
3:06
